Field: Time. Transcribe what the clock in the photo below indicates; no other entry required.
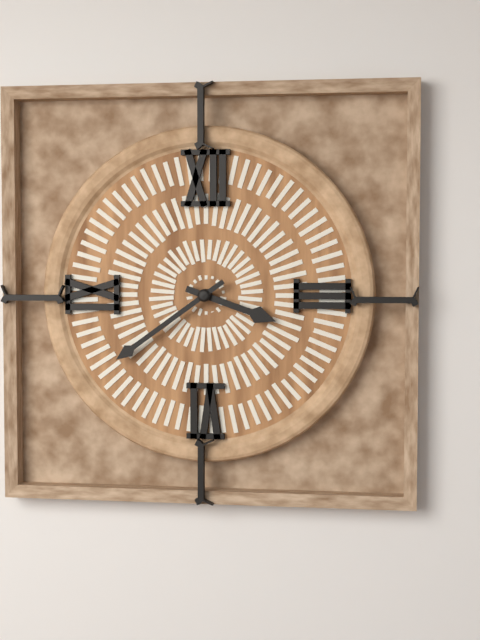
3:39
